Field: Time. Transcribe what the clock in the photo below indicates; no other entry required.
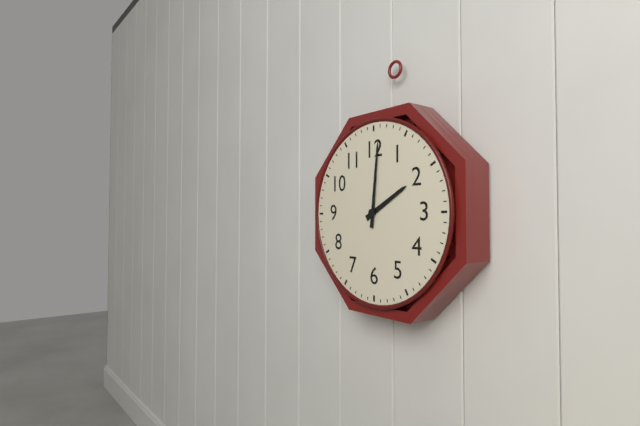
2:01
